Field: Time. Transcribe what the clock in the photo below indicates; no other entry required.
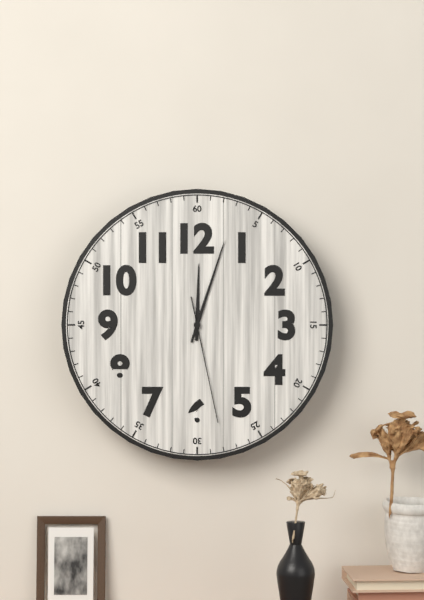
12:03:28
